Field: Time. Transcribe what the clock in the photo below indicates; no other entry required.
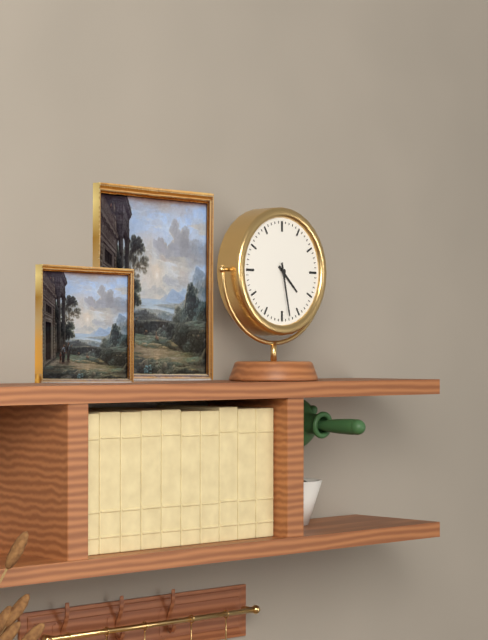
4:28
